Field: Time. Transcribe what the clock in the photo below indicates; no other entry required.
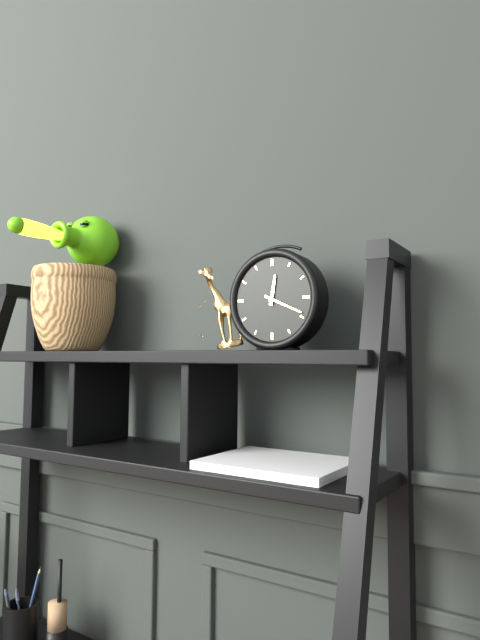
12:19
